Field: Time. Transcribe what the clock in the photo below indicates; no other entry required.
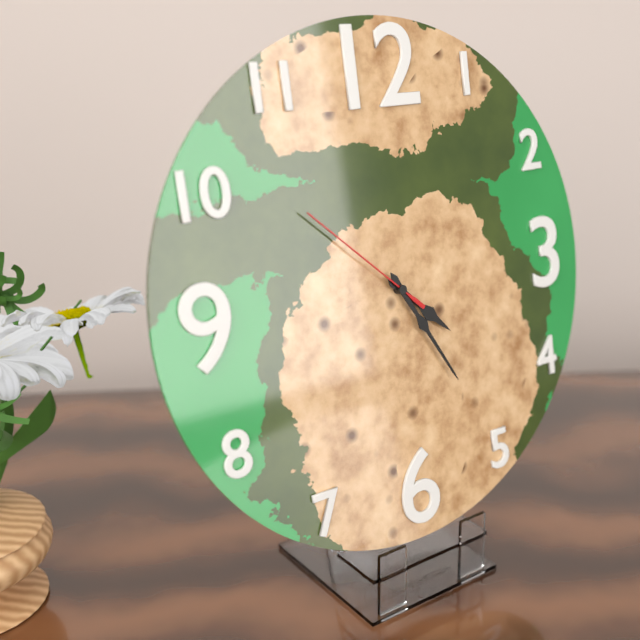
4:25:52
